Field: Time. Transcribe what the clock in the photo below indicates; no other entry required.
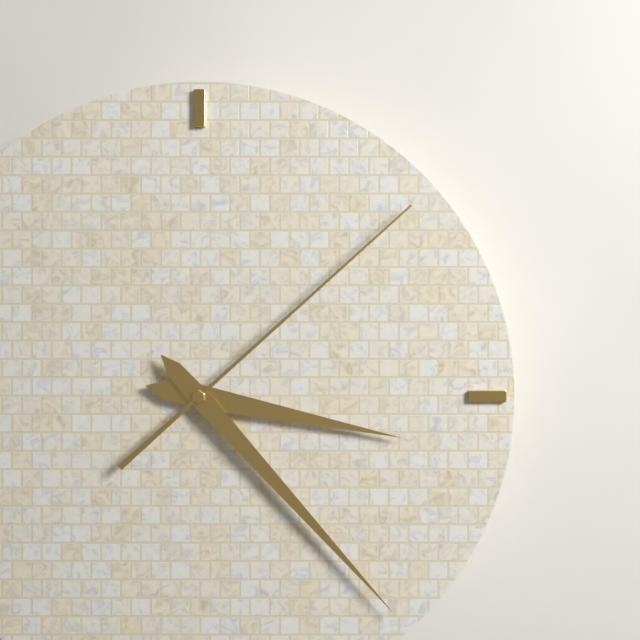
3:23:08
